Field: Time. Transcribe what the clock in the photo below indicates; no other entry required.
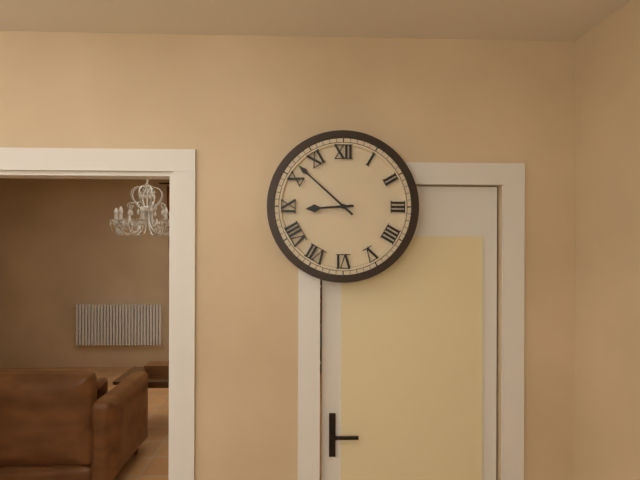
8:52
